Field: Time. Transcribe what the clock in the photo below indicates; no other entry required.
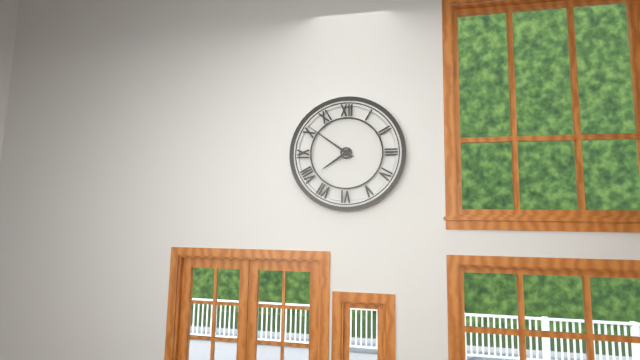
7:51
